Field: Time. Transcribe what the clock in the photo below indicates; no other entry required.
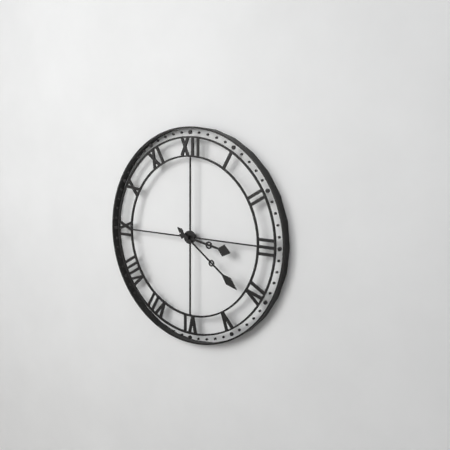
3:21
